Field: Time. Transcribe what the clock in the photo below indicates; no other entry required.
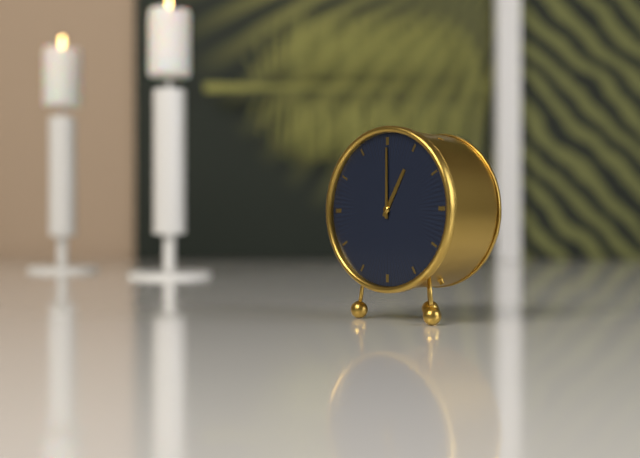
1:00
